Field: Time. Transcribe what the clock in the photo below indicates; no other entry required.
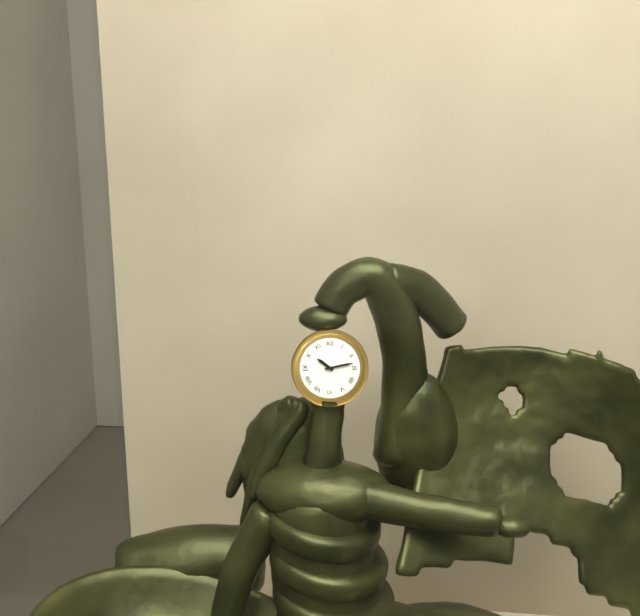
10:13
